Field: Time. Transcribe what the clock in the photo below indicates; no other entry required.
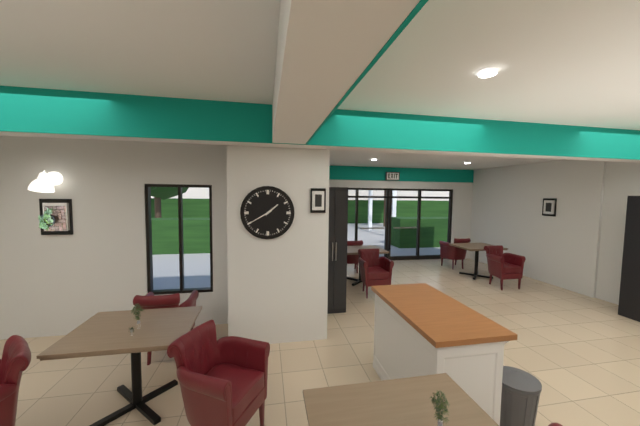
1:40
